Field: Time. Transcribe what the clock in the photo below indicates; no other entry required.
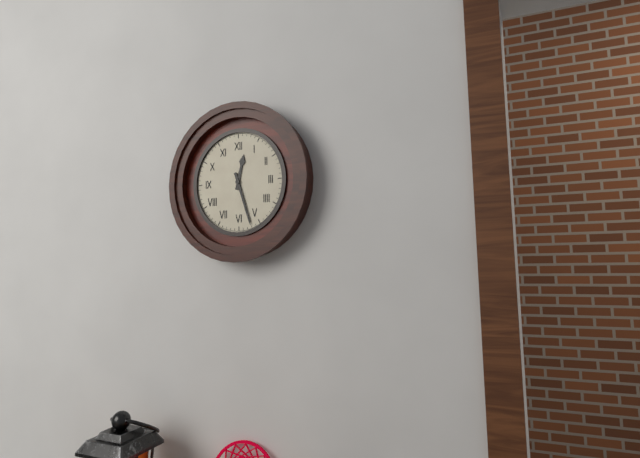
12:27
